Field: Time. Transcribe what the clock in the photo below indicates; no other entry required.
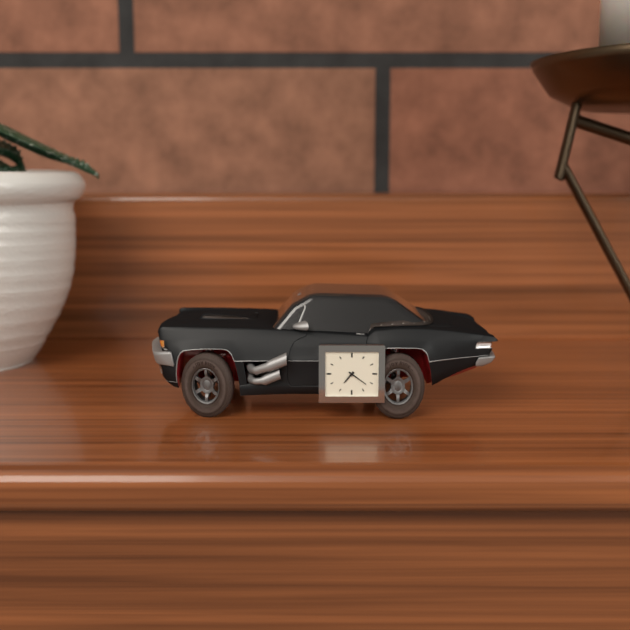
7:21
